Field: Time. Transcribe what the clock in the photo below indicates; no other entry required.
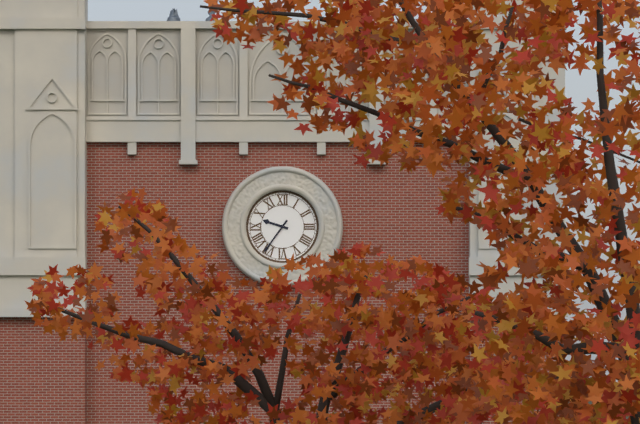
9:36
